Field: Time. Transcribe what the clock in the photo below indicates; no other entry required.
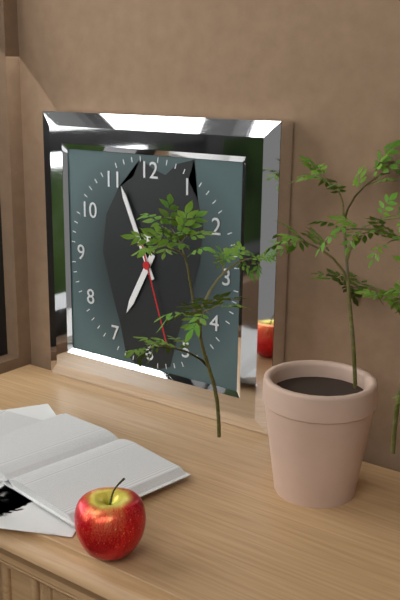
6:56:27
